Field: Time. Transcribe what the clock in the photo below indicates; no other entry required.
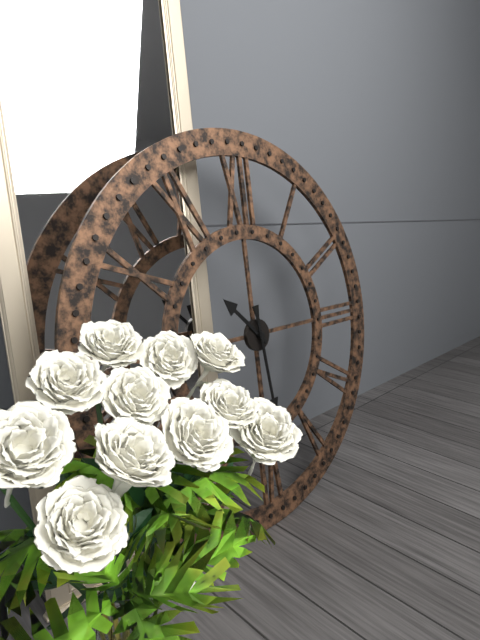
10:29
